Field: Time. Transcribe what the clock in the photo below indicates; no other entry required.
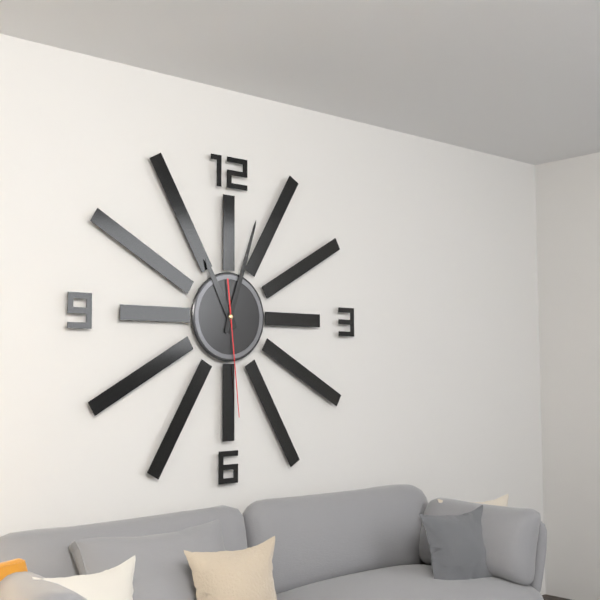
11:03:29
